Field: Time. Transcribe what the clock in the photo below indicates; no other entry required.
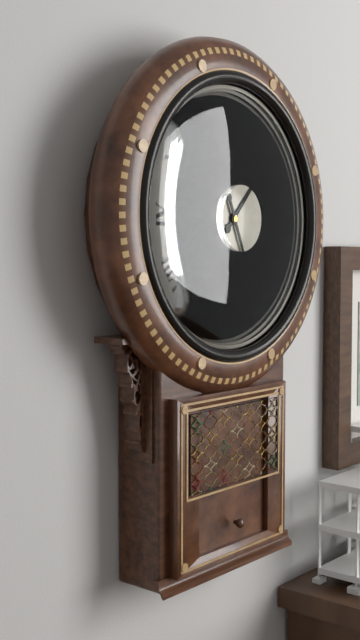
1:26
